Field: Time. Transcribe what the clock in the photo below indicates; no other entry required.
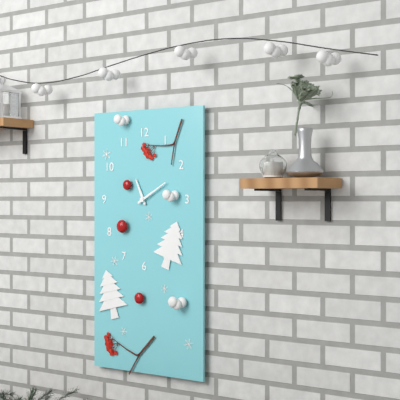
11:10
